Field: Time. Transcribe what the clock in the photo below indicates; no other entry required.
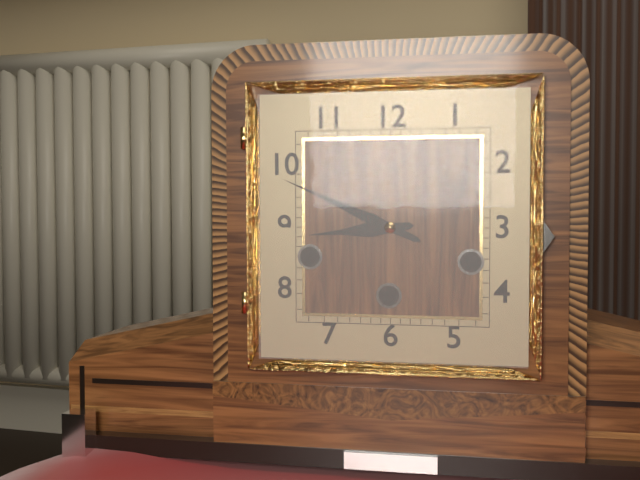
8:49
